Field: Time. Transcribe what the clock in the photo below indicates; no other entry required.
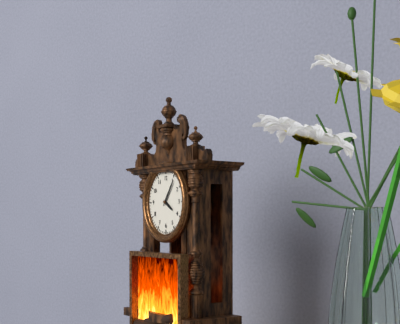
4:06
